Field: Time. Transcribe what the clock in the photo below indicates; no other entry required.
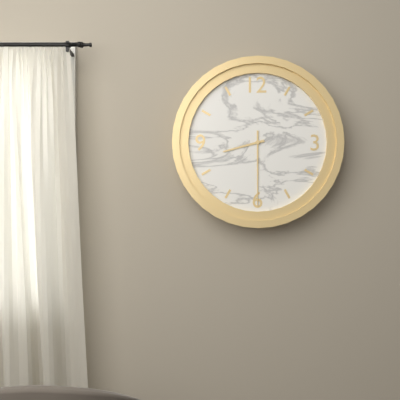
8:30
